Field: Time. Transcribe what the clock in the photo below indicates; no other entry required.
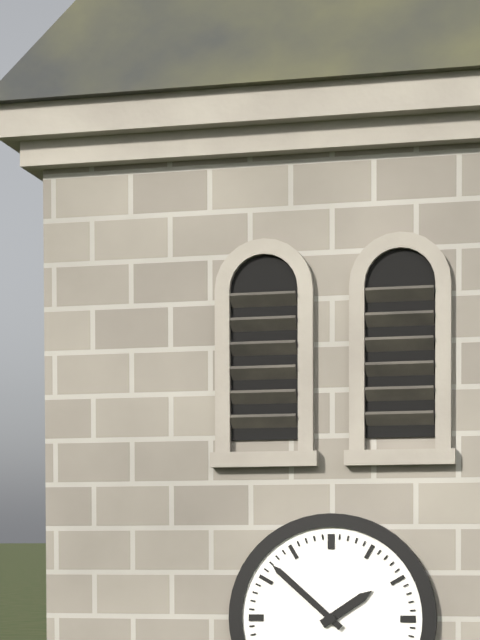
1:52
